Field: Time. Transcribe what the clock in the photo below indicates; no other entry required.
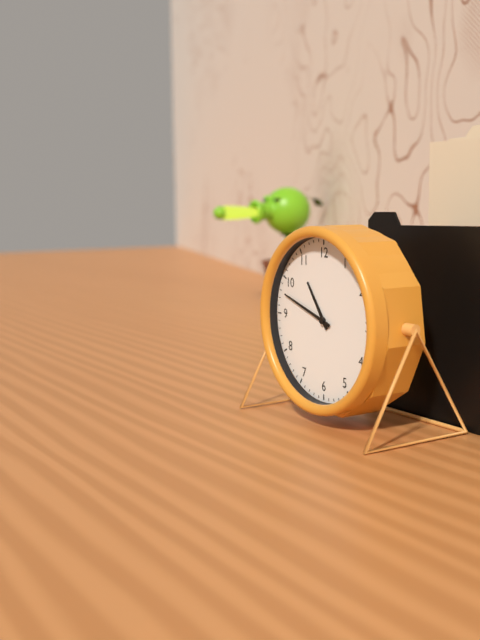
10:48
